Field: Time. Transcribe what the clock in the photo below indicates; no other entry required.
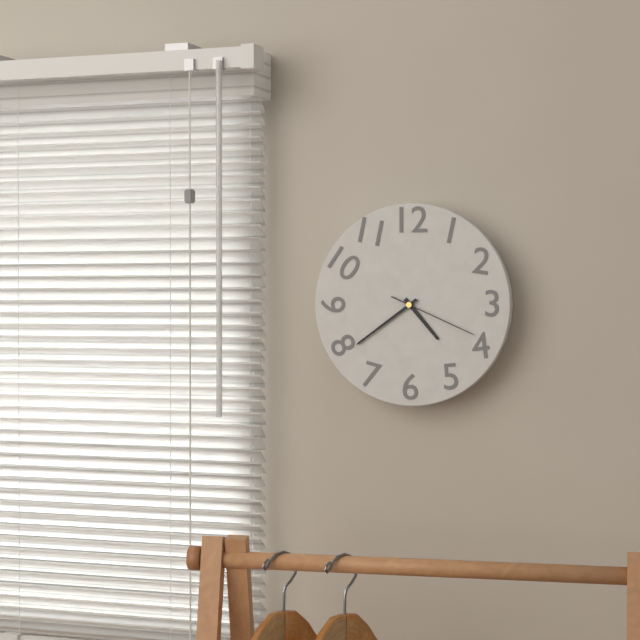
4:39:19
